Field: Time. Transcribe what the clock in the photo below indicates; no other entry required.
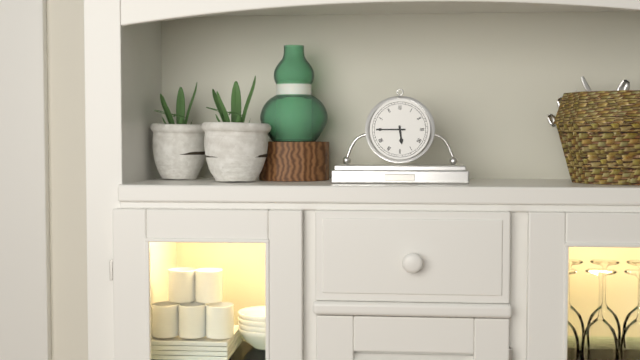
5:45
